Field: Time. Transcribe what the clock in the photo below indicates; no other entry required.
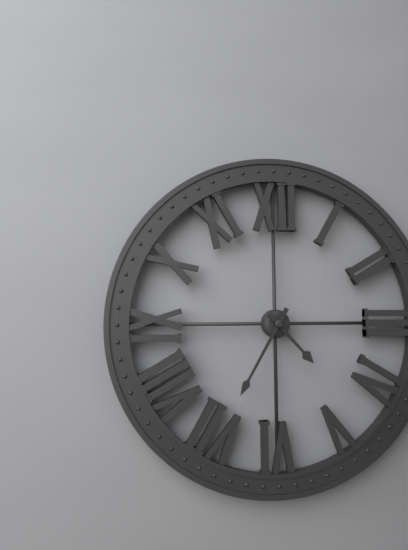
4:35
